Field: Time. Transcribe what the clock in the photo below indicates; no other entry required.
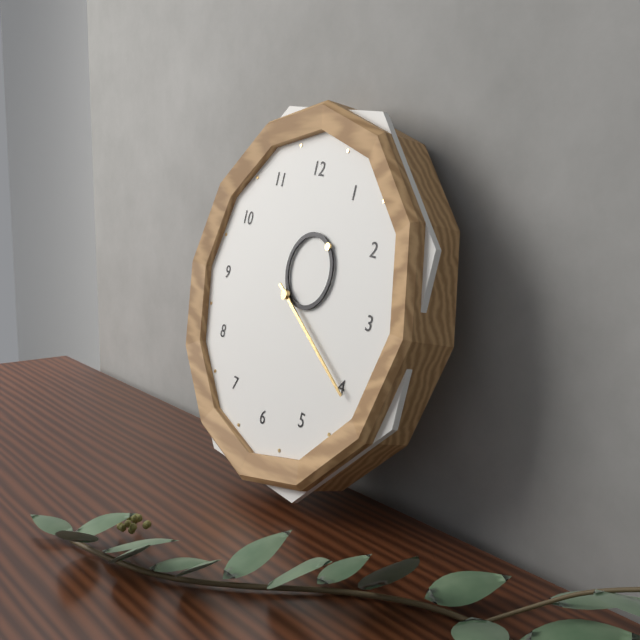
1:20
